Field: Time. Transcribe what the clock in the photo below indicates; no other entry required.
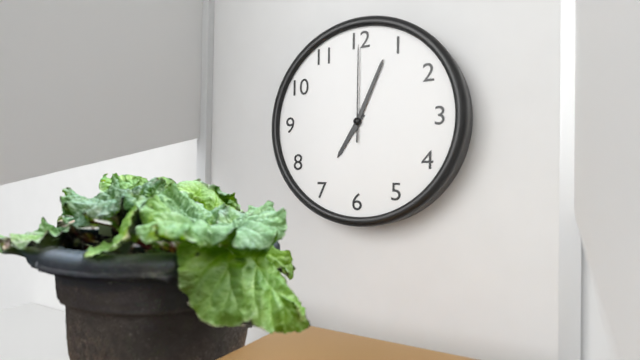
7:04:00
